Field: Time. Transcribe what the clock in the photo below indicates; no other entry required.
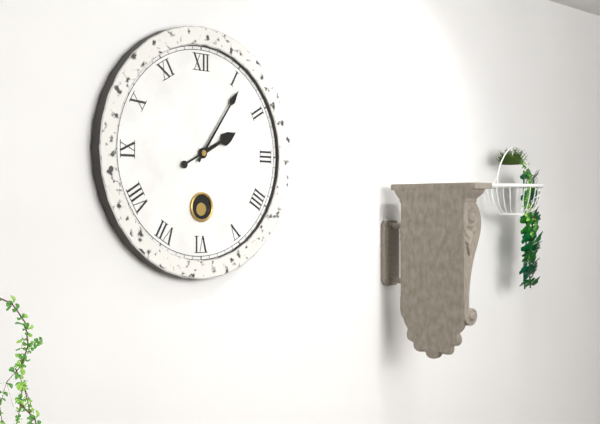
2:06
